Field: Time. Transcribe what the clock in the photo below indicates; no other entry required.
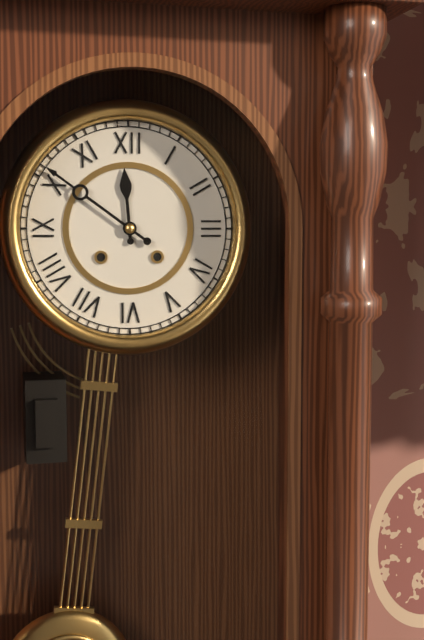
11:51
